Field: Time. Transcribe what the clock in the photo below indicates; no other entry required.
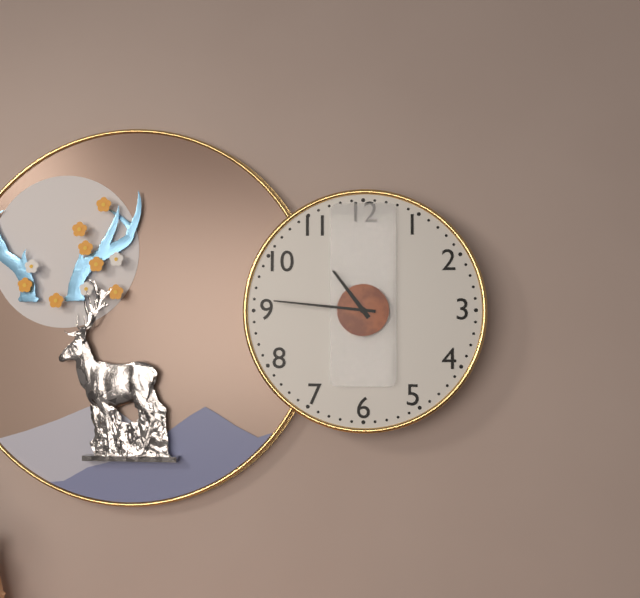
10:46
